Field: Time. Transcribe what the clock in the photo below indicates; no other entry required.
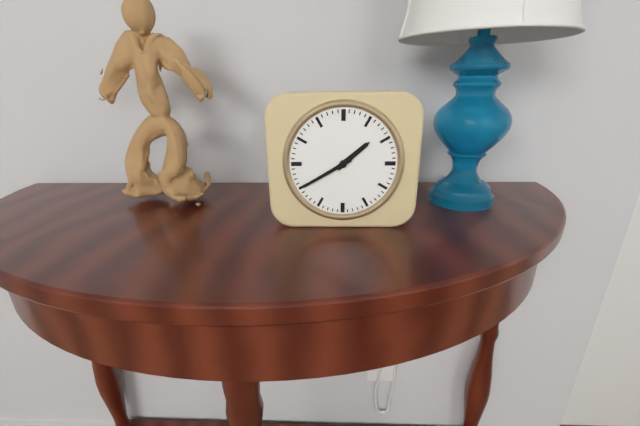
1:40
